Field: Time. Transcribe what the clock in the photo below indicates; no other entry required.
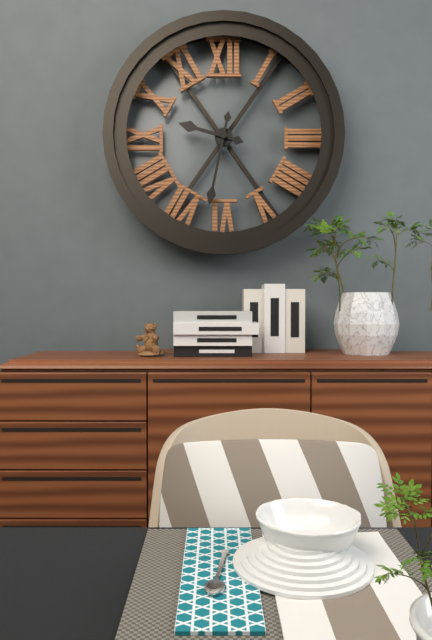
9:32
